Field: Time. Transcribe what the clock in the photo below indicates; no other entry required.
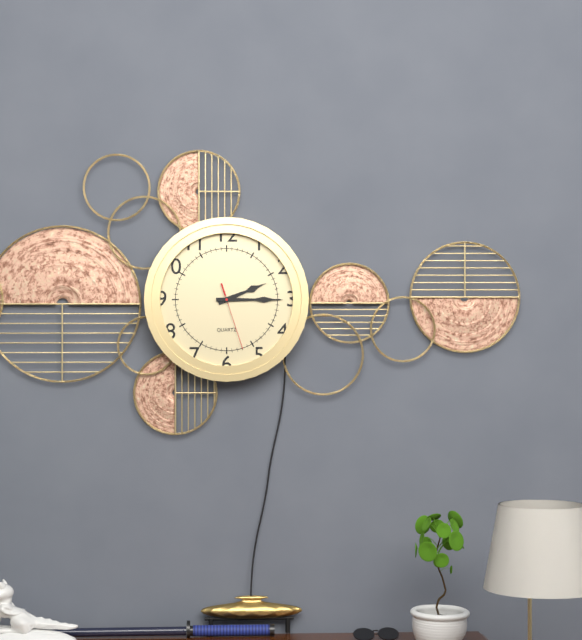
2:15:27
